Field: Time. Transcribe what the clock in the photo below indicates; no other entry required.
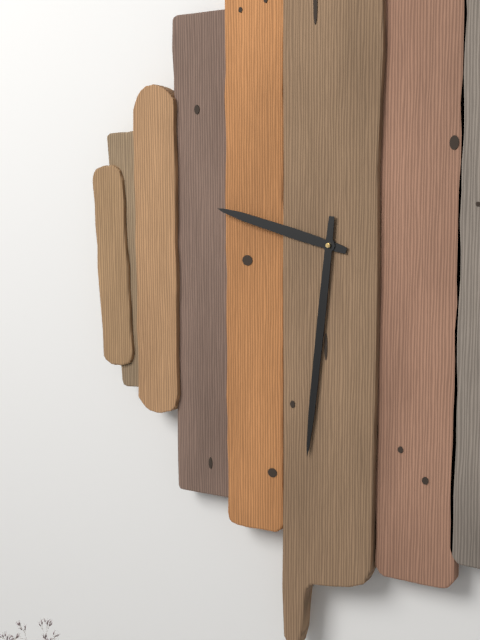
9:31
